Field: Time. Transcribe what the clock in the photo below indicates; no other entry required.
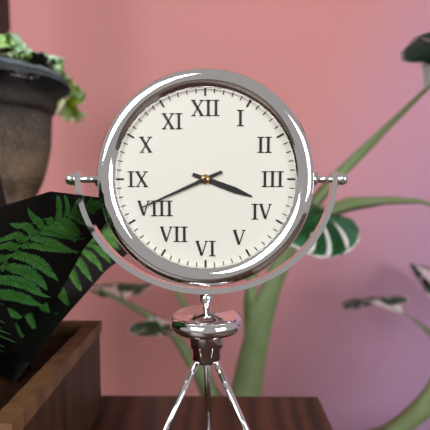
3:41
